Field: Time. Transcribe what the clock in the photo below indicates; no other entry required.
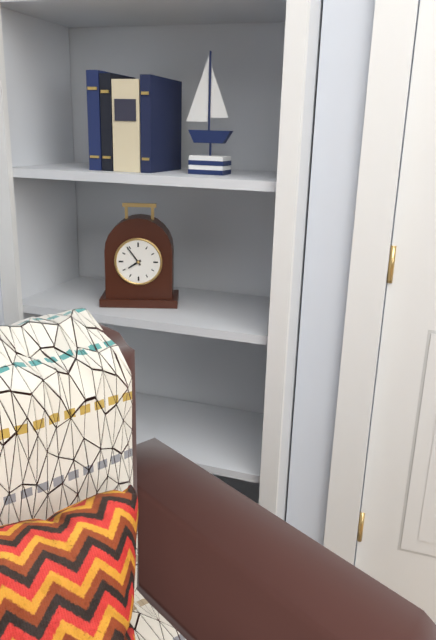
7:54
